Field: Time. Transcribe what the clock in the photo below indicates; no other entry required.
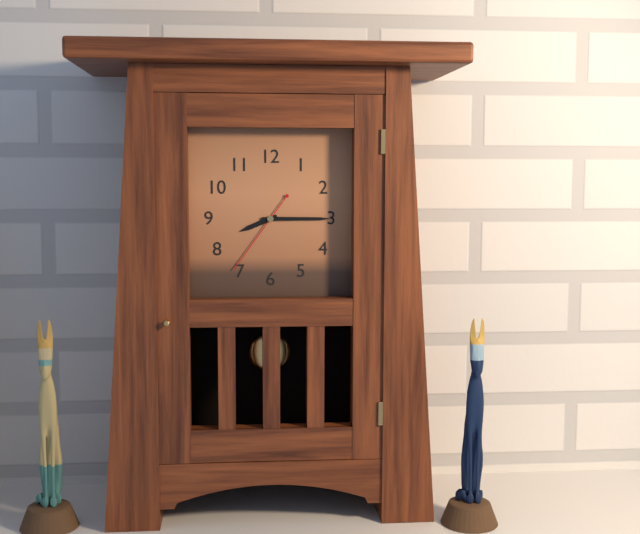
8:15:36
